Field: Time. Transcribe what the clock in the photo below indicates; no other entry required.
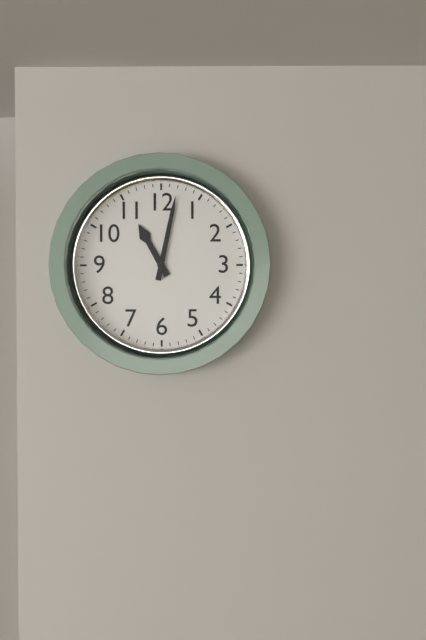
11:02
